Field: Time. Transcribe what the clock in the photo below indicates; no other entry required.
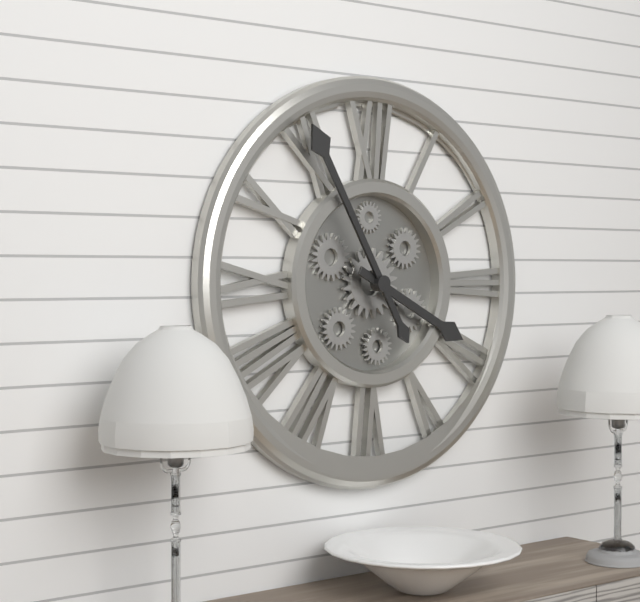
3:55
